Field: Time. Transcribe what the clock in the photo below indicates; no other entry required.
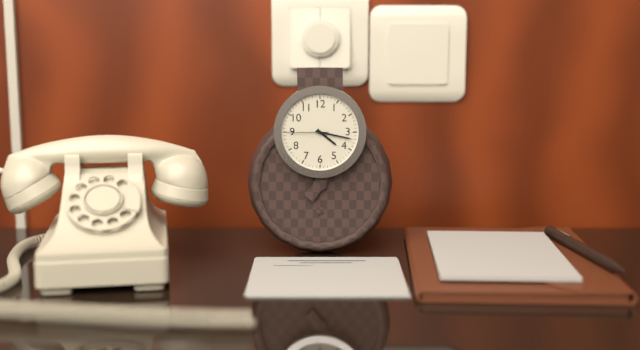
4:17
